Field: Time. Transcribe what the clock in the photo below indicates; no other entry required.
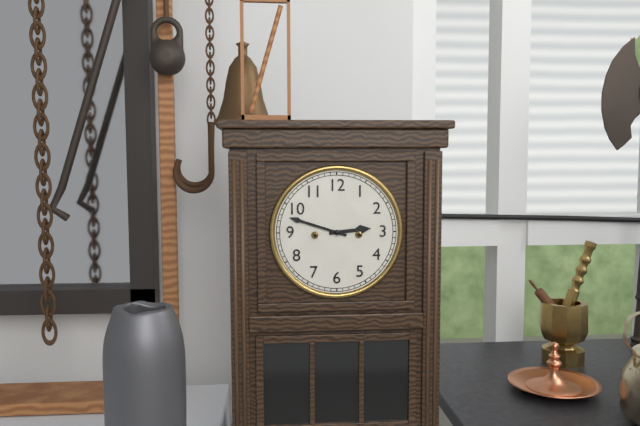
2:48
